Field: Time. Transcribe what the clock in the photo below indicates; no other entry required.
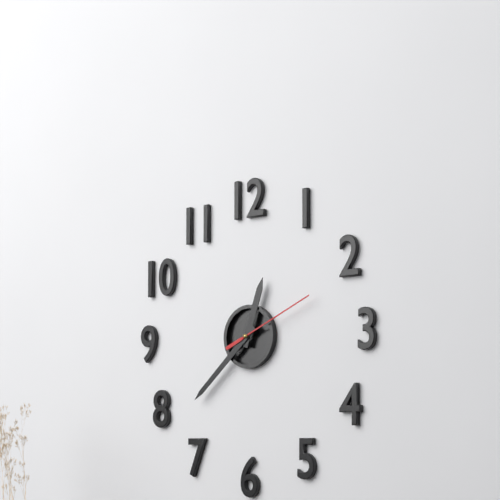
12:38:11
